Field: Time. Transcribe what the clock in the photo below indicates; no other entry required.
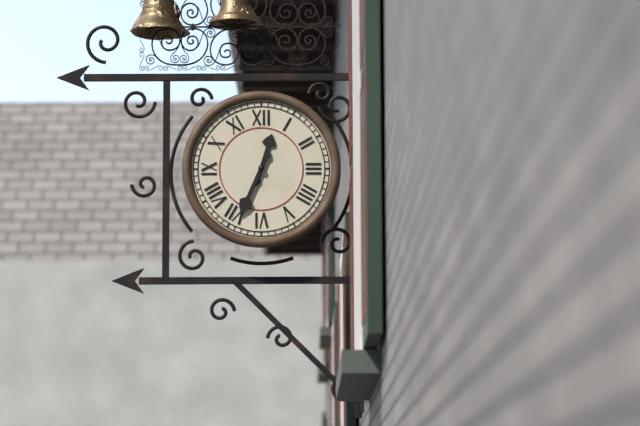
12:34
